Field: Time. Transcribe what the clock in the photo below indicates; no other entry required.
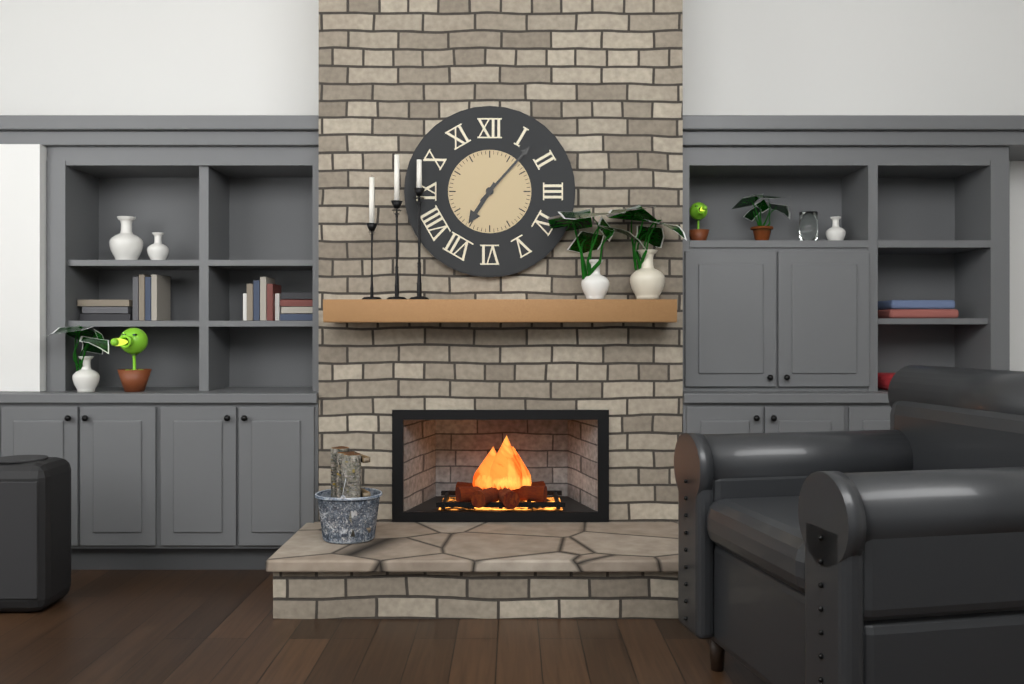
7:07
